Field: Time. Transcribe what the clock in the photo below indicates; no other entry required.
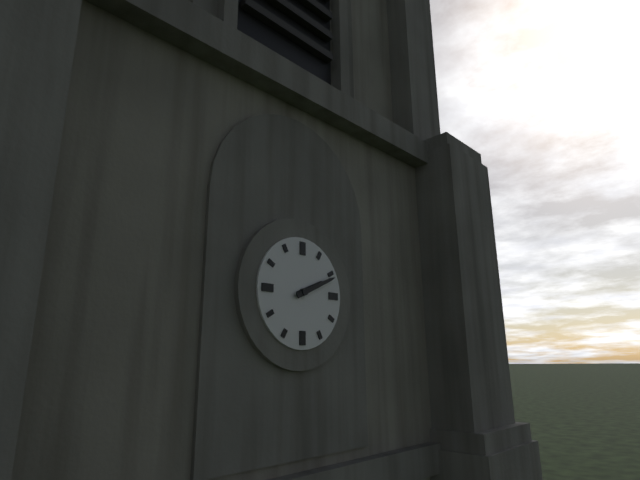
2:11
